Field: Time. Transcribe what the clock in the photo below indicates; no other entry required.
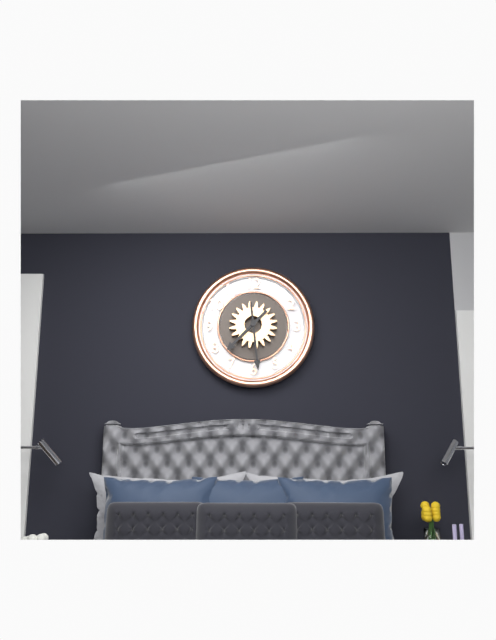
7:29
